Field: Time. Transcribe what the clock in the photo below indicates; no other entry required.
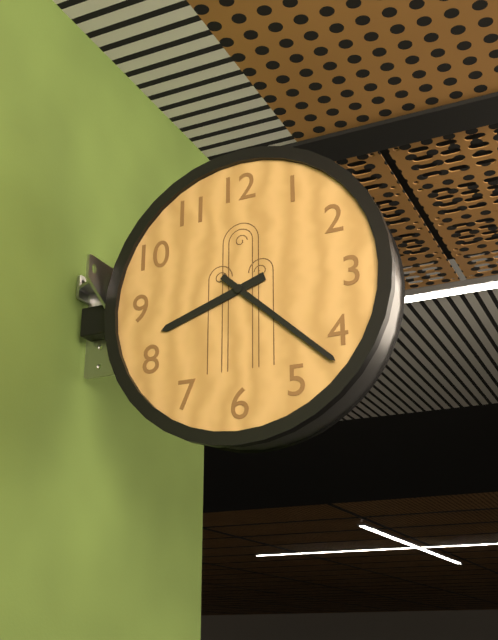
8:22
